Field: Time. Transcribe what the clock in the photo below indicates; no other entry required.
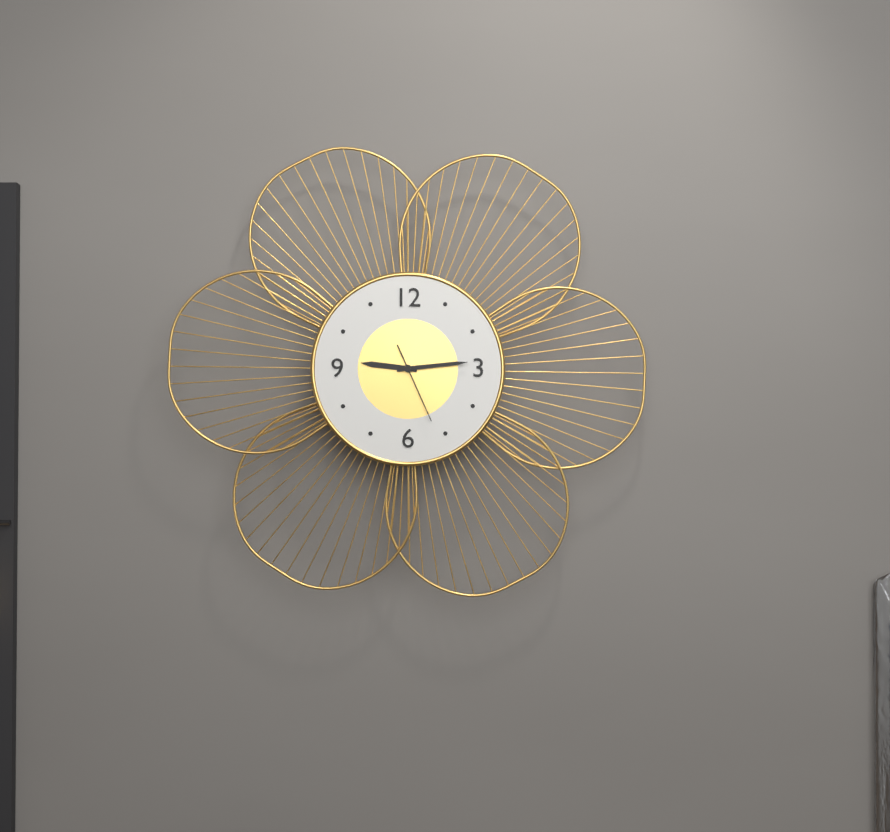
9:14:26
